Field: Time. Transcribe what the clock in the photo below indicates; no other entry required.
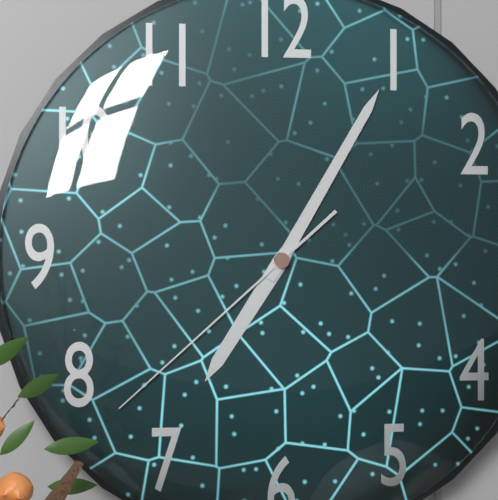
7:05:38
